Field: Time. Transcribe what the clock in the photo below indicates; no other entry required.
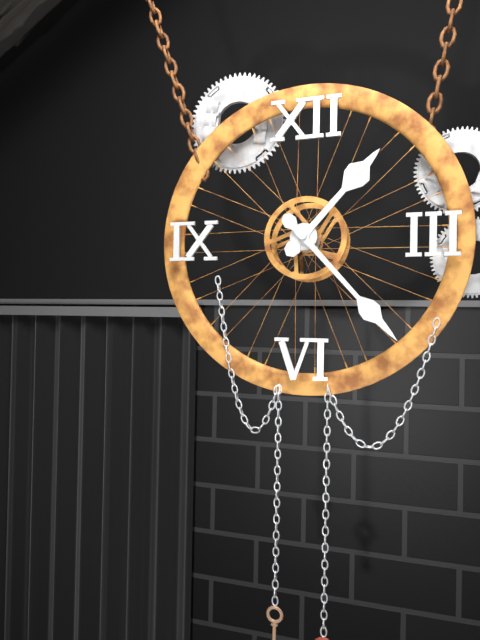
1:23
